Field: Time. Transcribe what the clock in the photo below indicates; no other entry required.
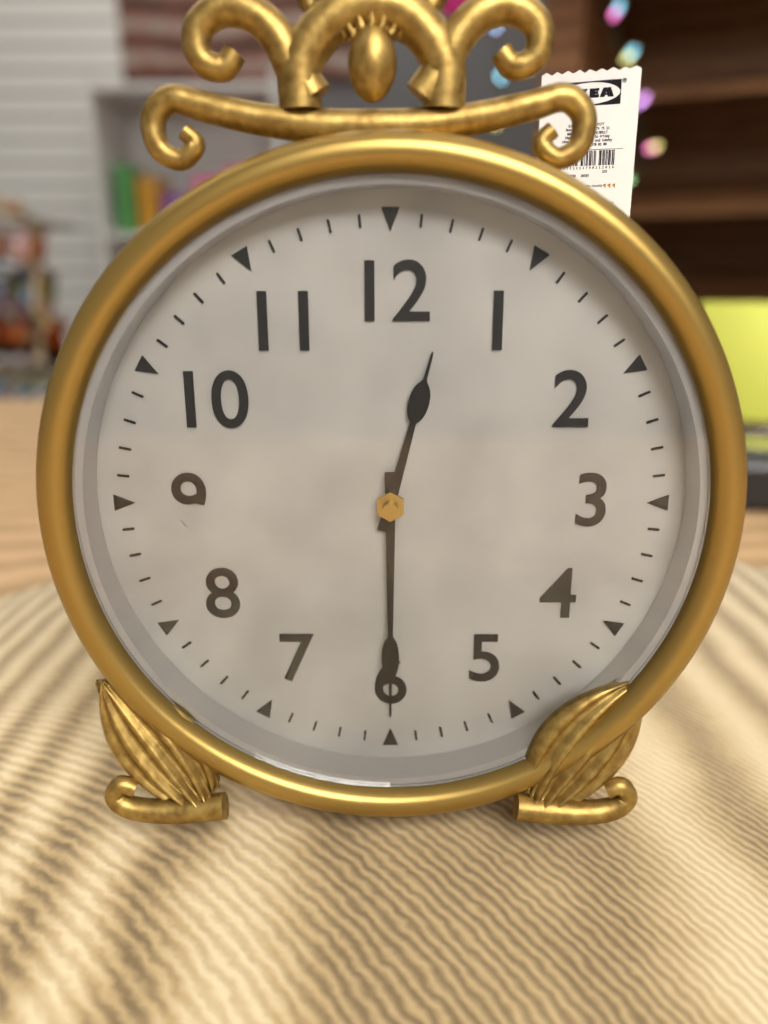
12:30
